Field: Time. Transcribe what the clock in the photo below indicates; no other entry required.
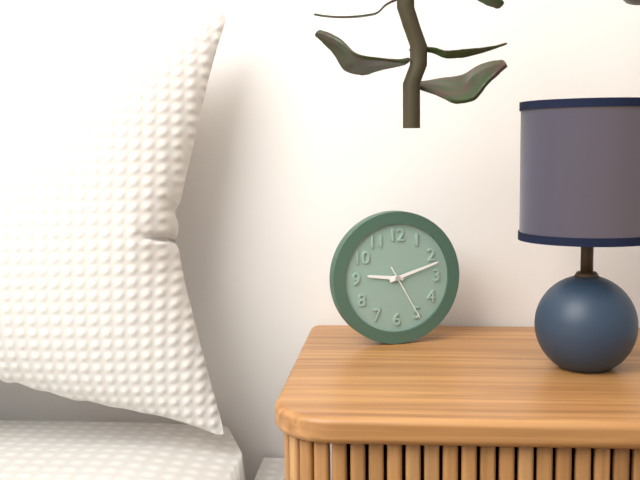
9:12:25
